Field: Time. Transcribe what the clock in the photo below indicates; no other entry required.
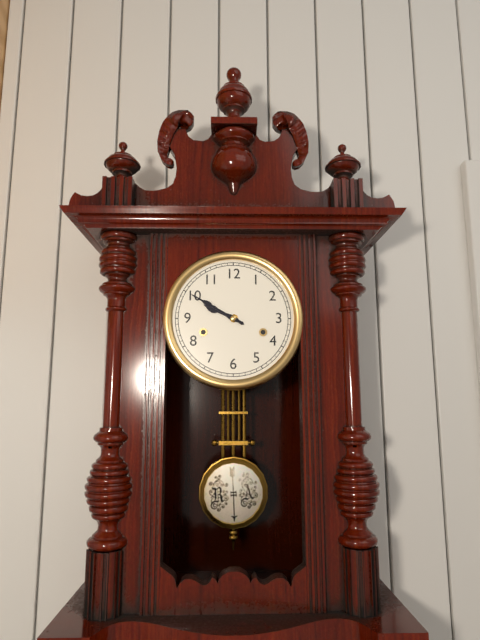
9:50
